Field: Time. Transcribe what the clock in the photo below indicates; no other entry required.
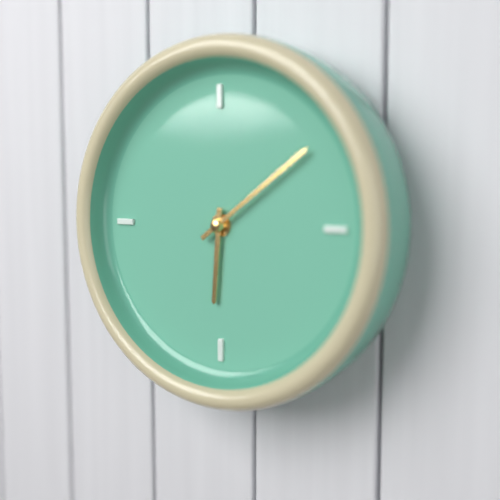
6:09
